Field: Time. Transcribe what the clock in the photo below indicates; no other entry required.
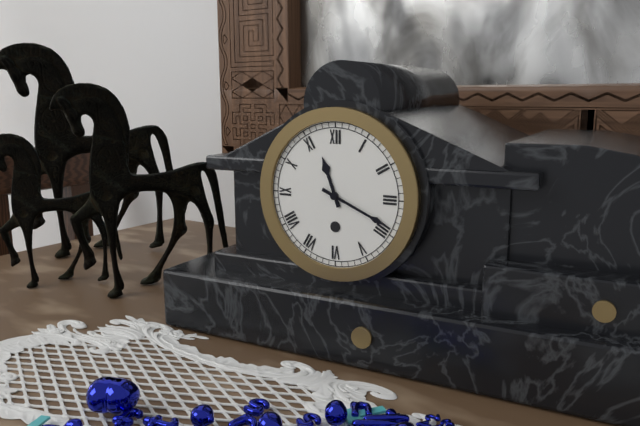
11:19
